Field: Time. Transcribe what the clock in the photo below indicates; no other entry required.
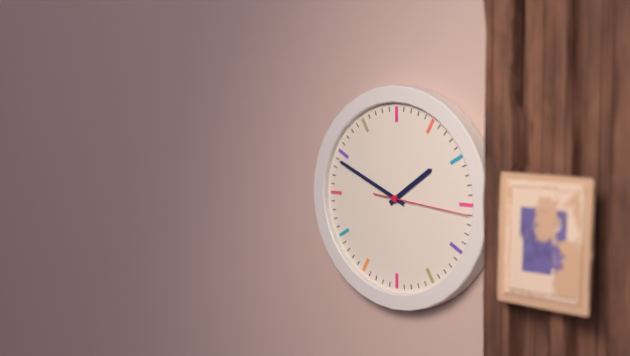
1:49:16
